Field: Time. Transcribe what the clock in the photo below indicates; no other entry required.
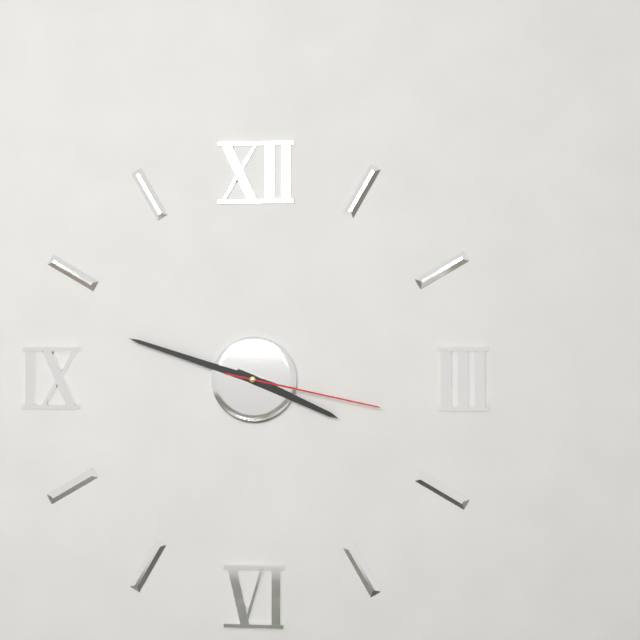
3:48:17
